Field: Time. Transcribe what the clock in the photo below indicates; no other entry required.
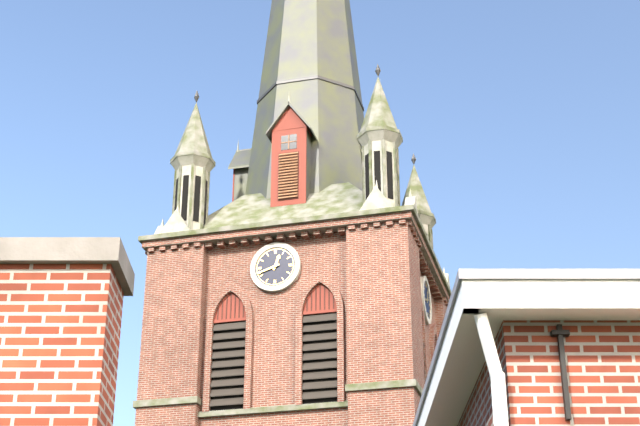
12:42
